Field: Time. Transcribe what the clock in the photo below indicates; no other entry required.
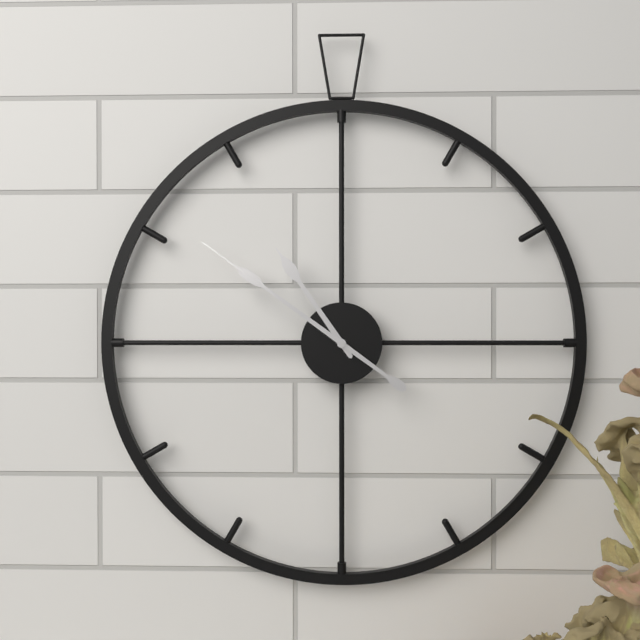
10:51
